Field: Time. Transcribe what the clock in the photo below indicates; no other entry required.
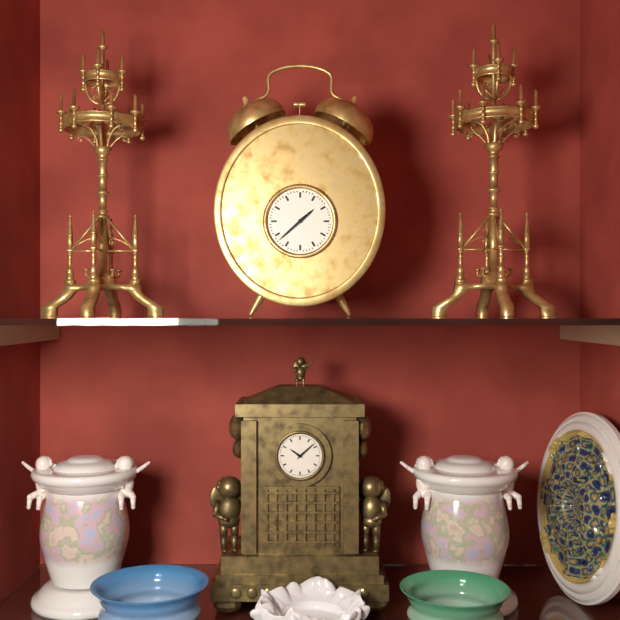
1:38
